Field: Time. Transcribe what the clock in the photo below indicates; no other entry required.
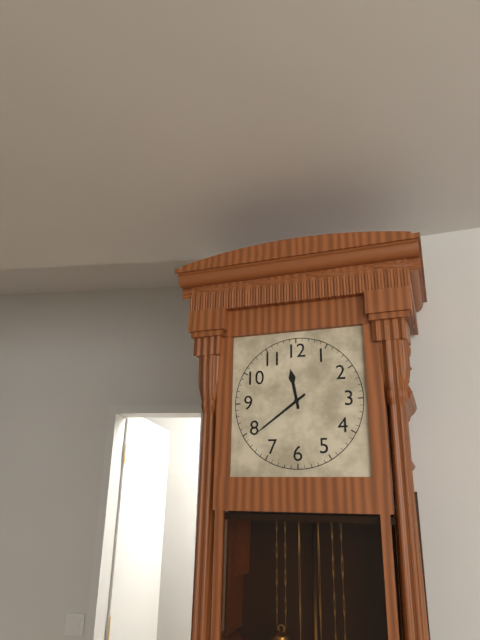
11:39
